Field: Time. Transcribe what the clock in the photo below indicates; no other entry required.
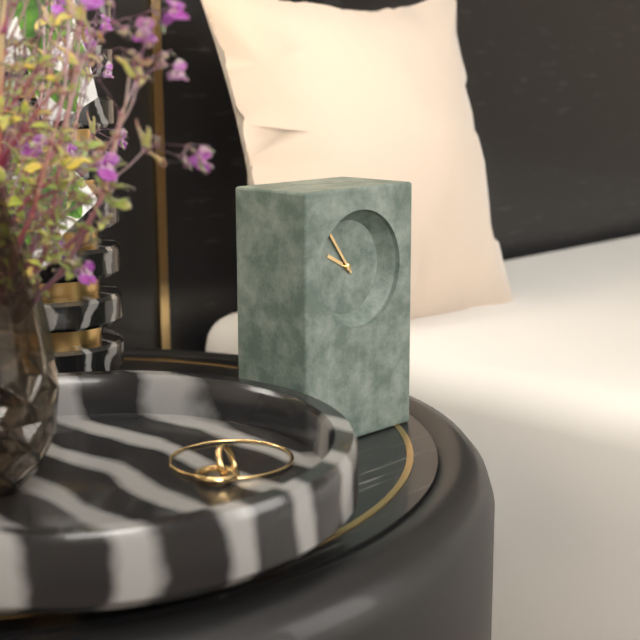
9:54
